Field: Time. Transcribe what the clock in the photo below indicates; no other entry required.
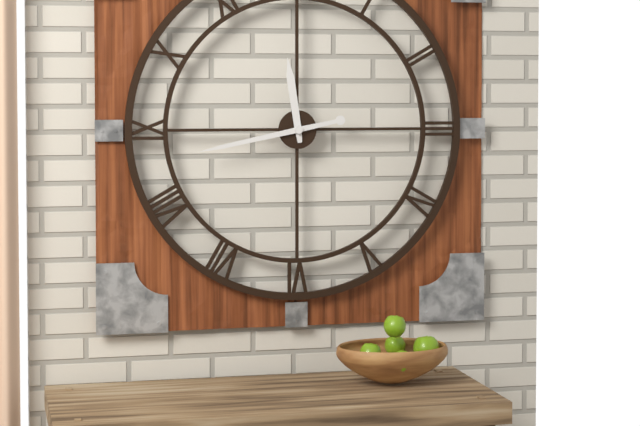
11:43
